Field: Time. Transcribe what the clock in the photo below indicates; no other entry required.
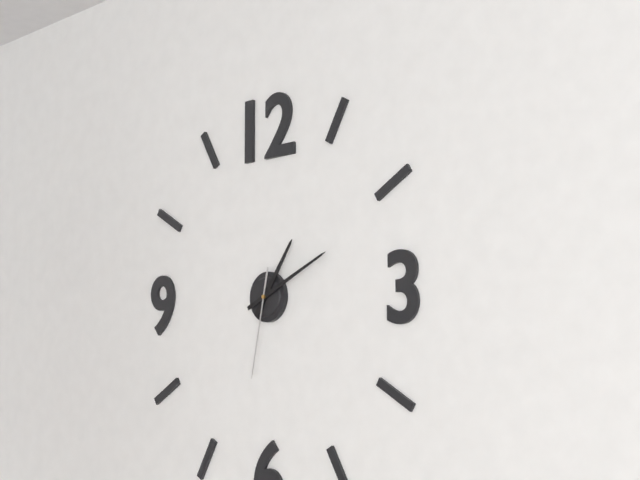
1:11:32
